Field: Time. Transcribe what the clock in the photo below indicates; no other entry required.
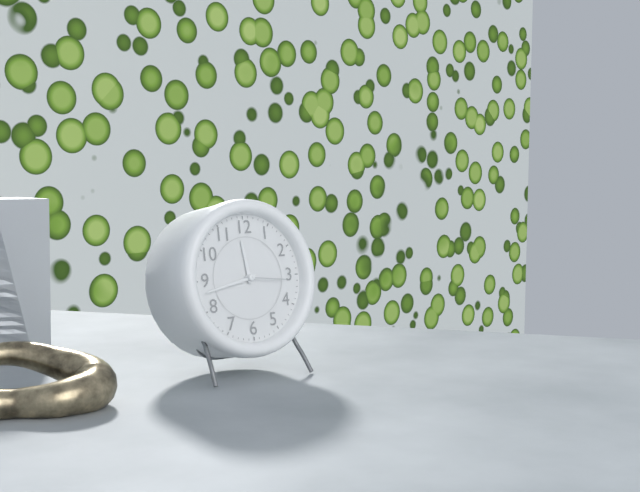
11:43
